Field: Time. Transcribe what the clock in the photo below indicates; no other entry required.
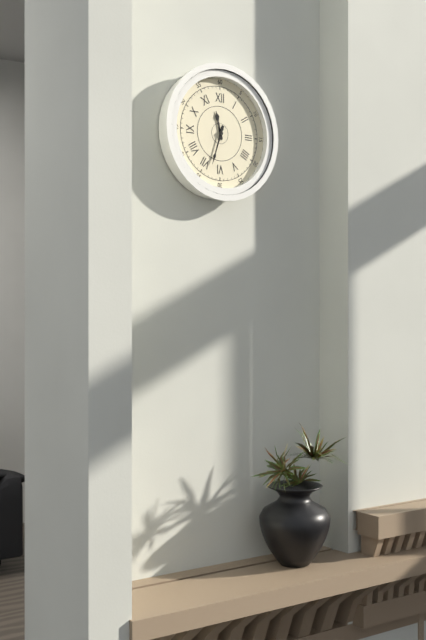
11:33
